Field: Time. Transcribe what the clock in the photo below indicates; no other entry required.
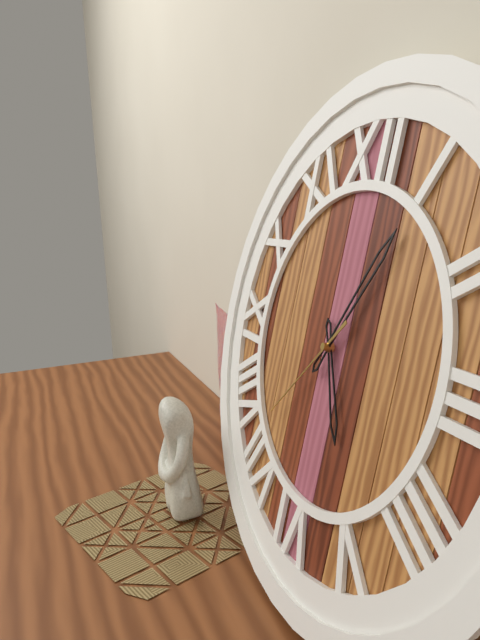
5:05:37
